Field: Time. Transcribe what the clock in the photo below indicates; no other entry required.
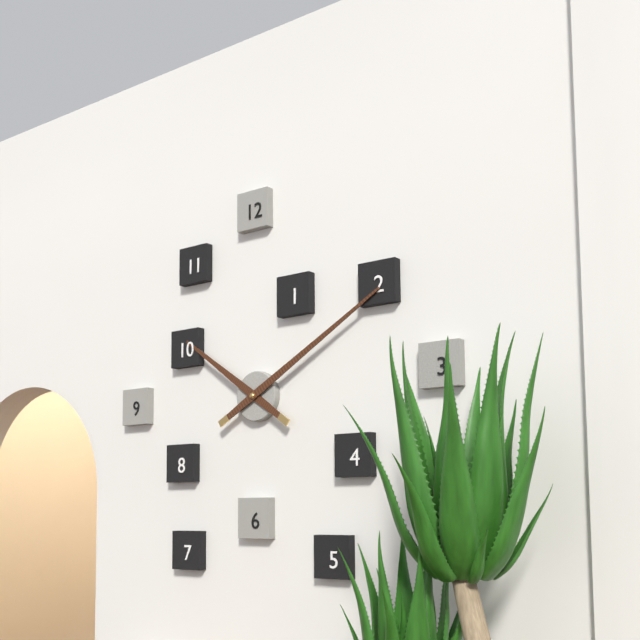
10:10
